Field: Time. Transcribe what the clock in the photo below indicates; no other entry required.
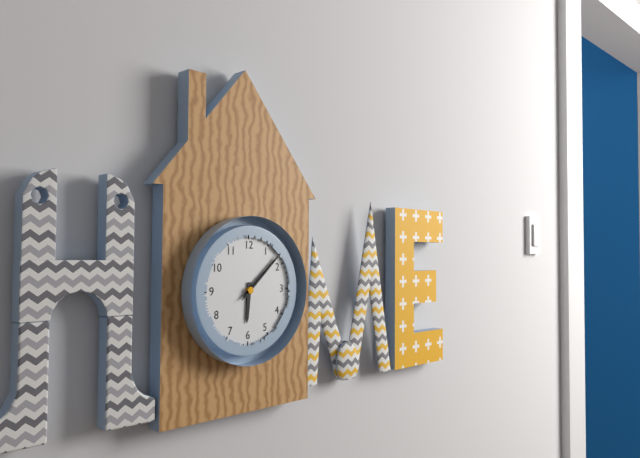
6:08:08
